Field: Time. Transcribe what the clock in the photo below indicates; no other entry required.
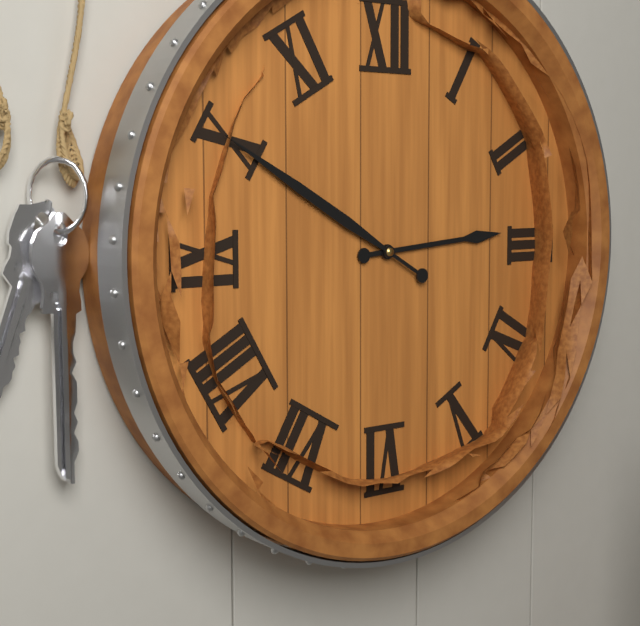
2:50
